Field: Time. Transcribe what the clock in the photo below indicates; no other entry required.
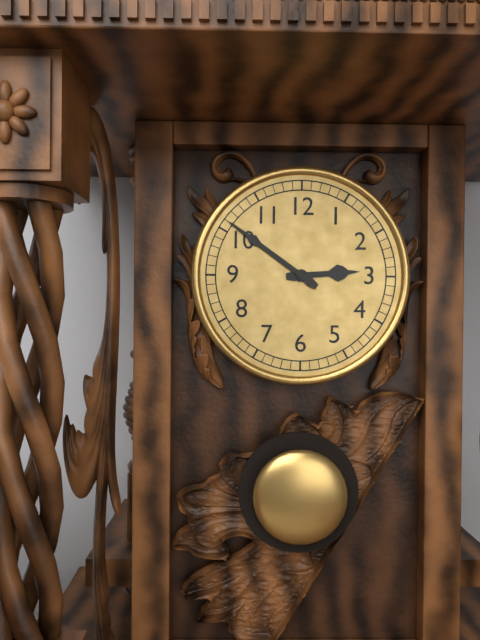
2:51
